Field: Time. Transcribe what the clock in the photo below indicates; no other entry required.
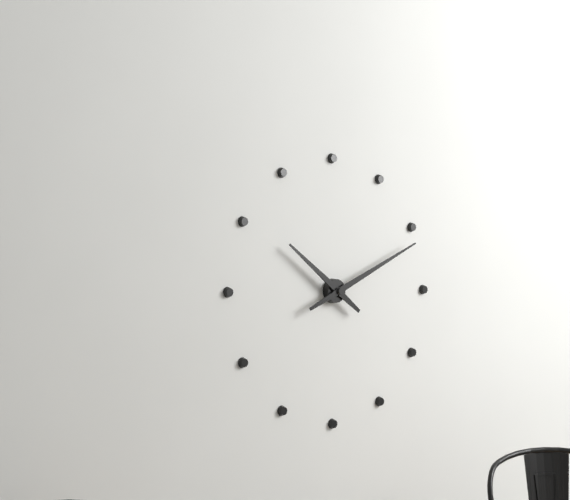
10:11
